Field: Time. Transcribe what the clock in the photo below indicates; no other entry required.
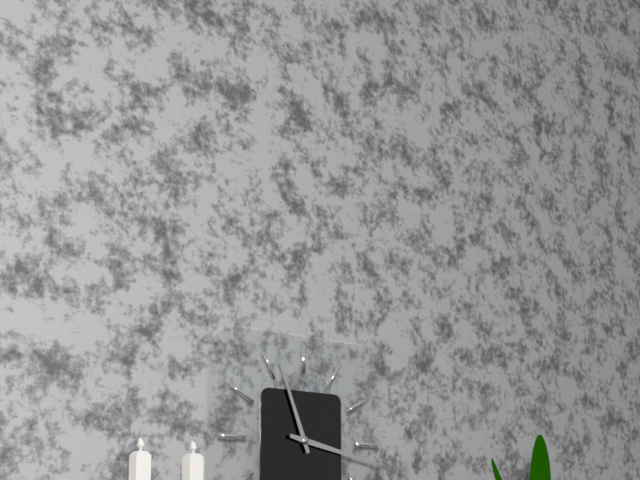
11:17
